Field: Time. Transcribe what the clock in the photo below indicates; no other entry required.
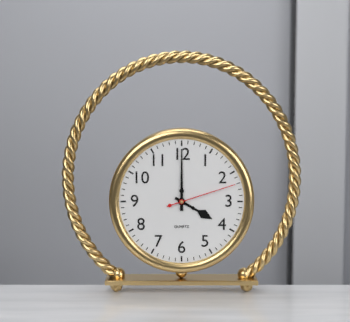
4:00:12
